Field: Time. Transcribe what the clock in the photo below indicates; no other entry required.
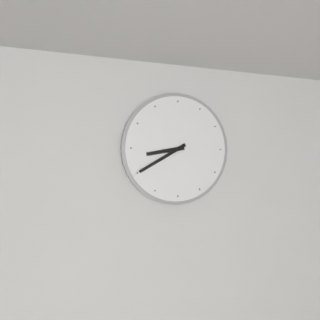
8:40
